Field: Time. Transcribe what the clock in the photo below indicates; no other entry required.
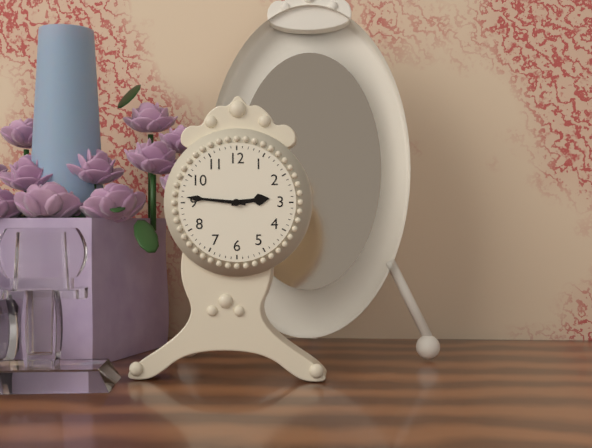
2:46
